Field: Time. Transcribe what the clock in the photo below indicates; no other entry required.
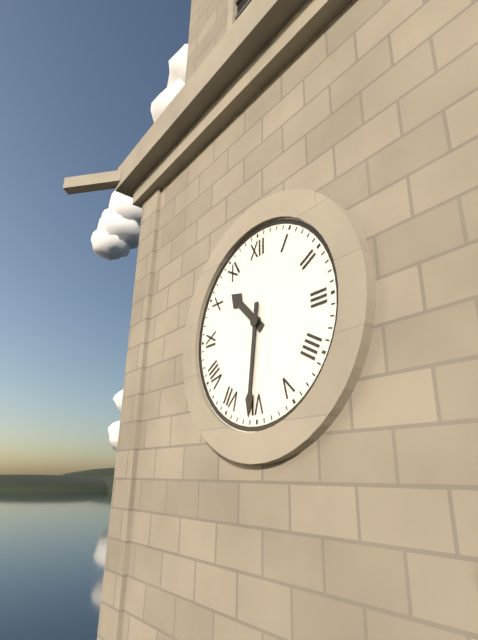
10:31
